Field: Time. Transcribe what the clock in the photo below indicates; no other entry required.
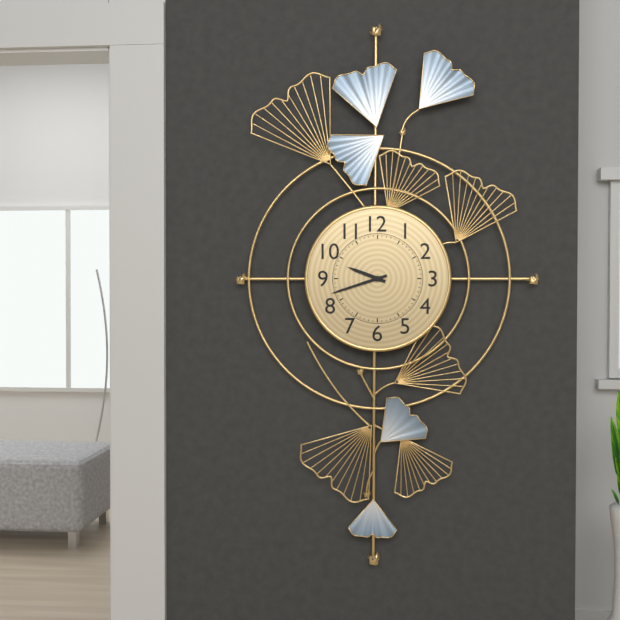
9:42
